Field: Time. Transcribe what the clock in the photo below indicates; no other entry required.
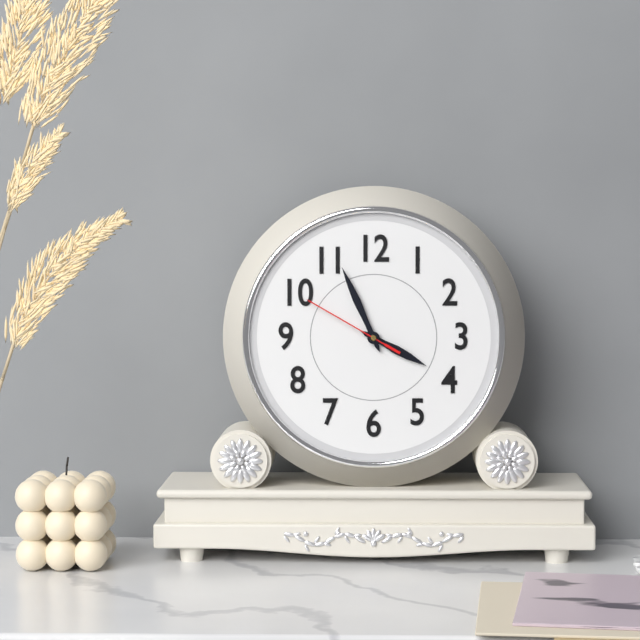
3:56:50
